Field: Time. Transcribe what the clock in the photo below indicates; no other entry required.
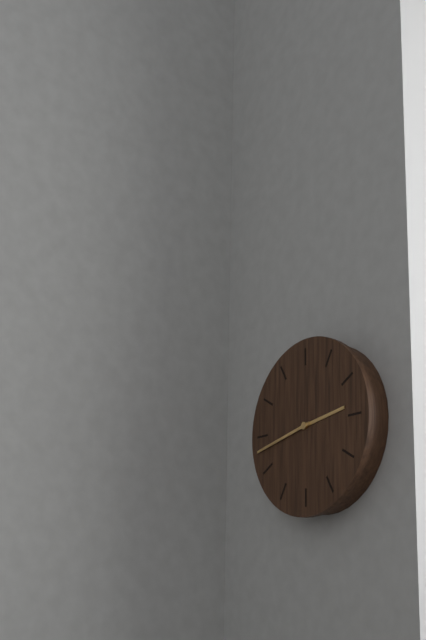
2:43
